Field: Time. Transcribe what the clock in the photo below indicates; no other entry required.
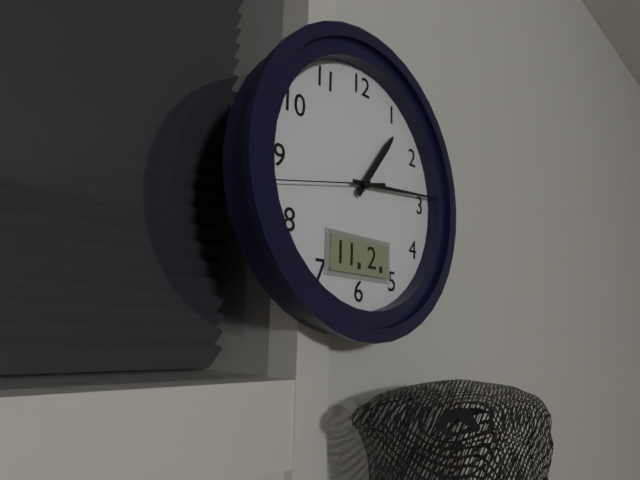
1:14:43
